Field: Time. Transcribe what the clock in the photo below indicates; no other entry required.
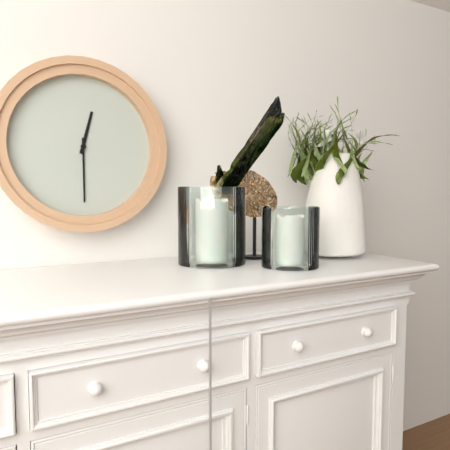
12:30
